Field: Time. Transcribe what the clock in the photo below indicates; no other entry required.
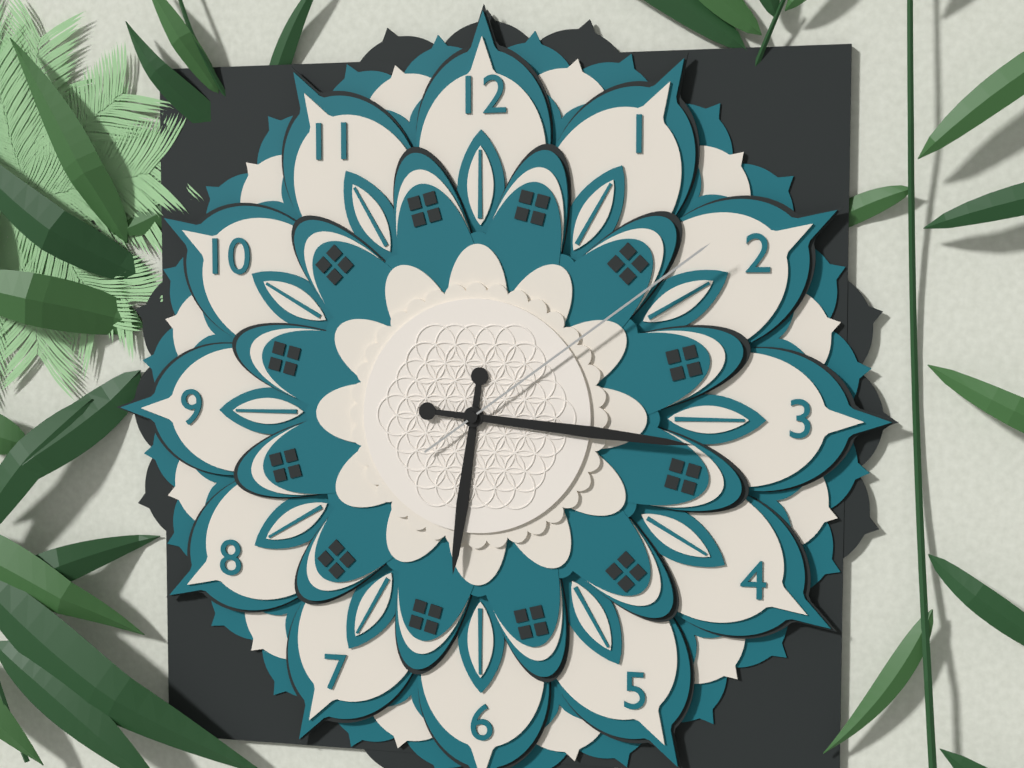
6:16:09
